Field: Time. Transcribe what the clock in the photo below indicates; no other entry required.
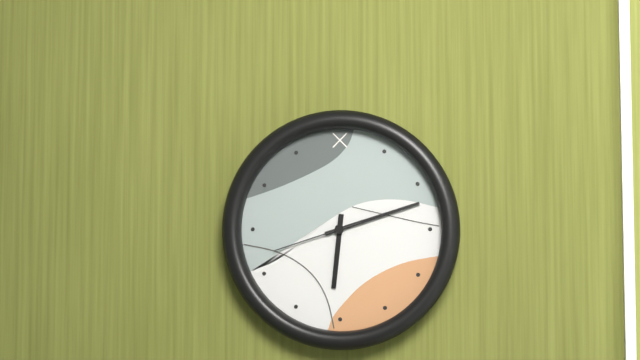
6:12:42
